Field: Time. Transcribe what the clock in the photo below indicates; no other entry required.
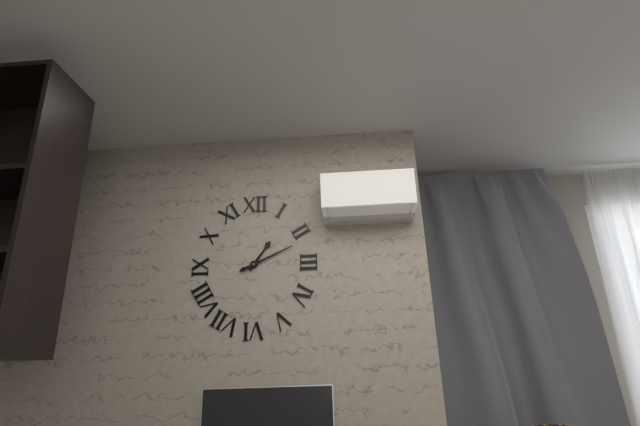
1:11
